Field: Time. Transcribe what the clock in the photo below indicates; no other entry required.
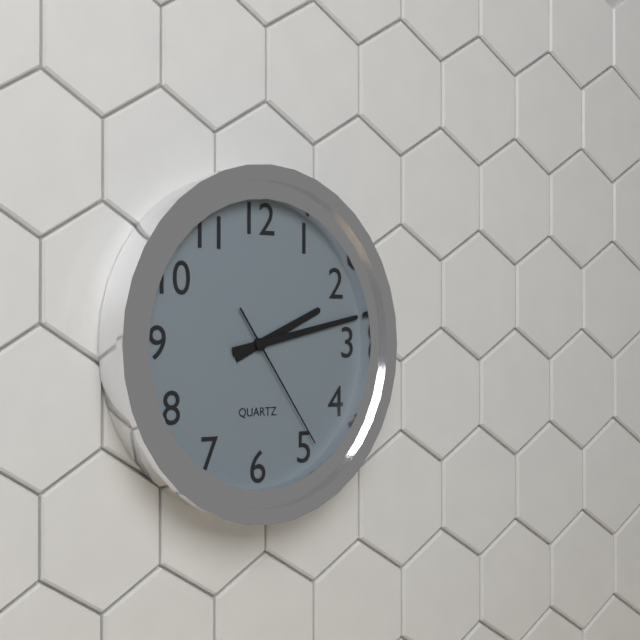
2:13:24
